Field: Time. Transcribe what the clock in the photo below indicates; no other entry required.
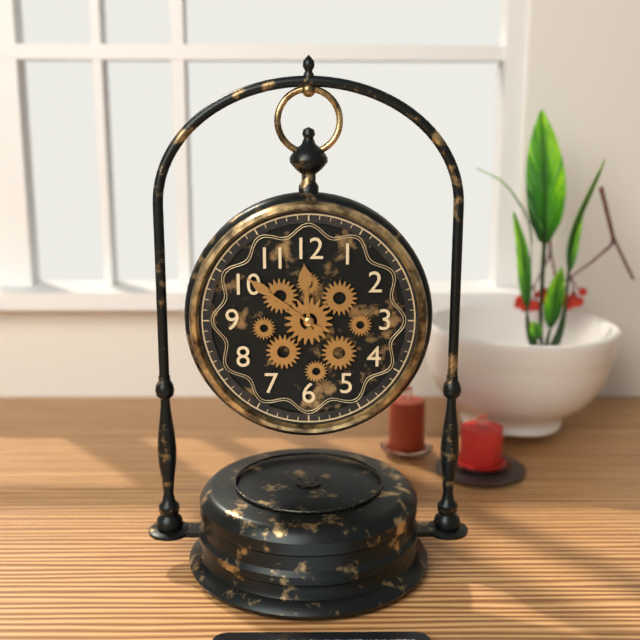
11:51
